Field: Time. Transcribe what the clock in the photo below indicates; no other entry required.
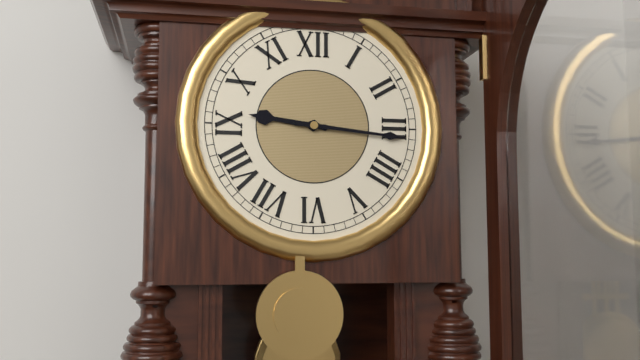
9:16
